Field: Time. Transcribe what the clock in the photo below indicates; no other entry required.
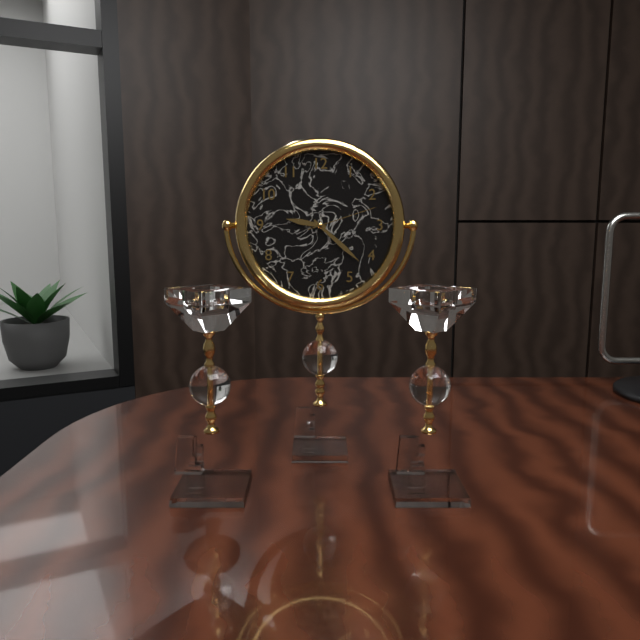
9:22:12
